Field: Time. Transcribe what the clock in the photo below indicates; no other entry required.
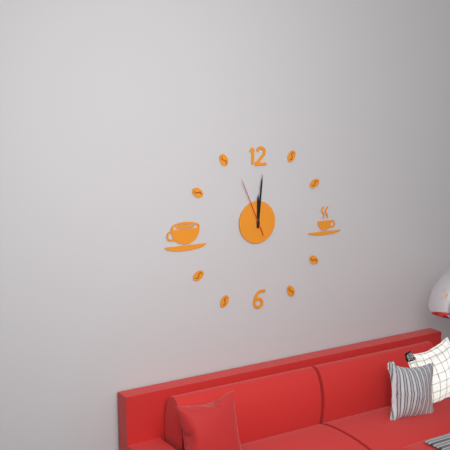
12:01:56
